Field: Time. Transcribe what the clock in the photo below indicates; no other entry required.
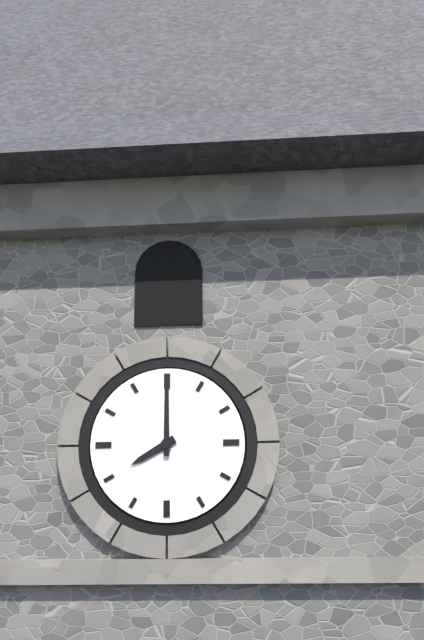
8:00
